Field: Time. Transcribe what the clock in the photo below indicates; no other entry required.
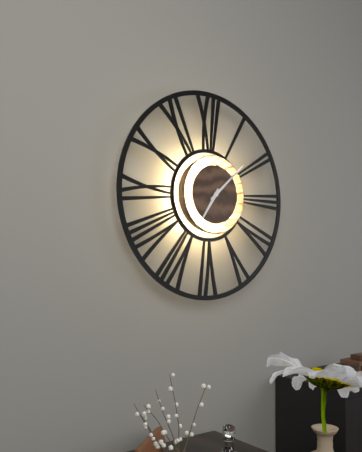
7:08
